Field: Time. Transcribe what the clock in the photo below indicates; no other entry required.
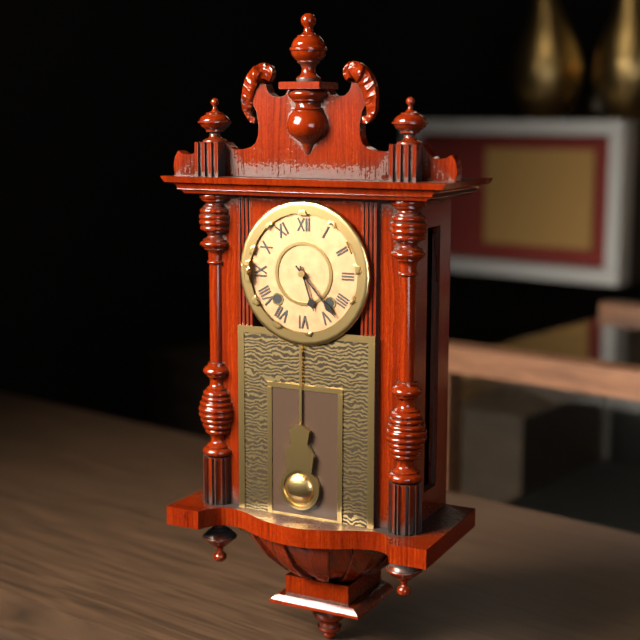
5:23
